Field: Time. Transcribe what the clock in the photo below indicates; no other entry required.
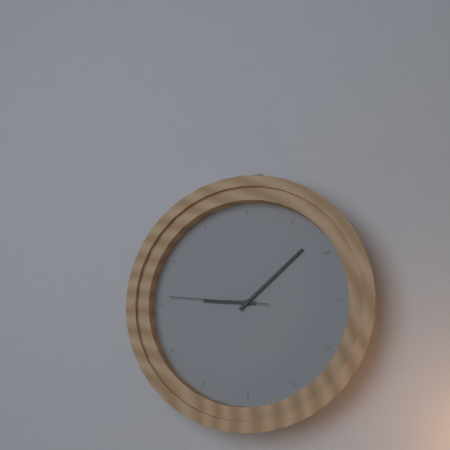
9:08:46
